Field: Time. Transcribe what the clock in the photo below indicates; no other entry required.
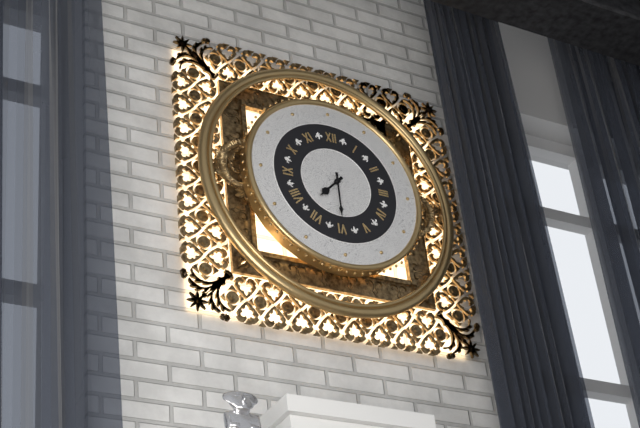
7:30
